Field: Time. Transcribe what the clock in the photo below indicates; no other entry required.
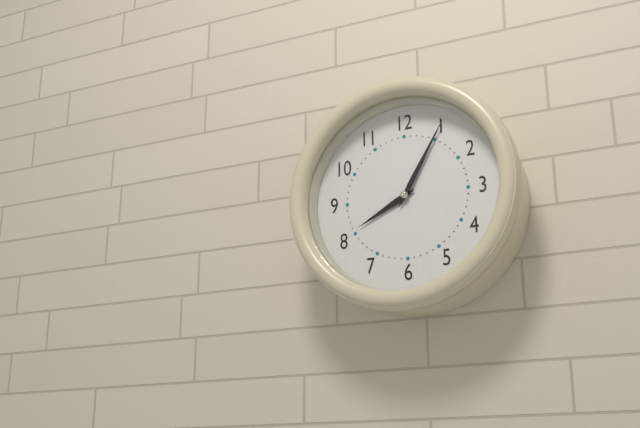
8:05
